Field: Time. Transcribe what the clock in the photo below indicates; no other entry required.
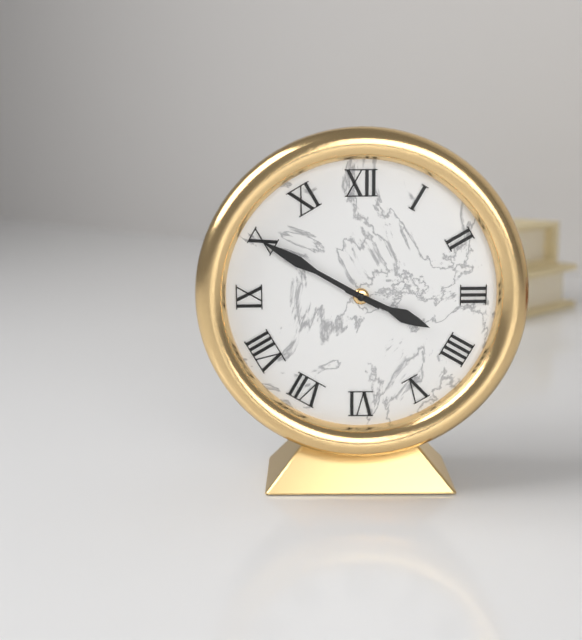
3:50
